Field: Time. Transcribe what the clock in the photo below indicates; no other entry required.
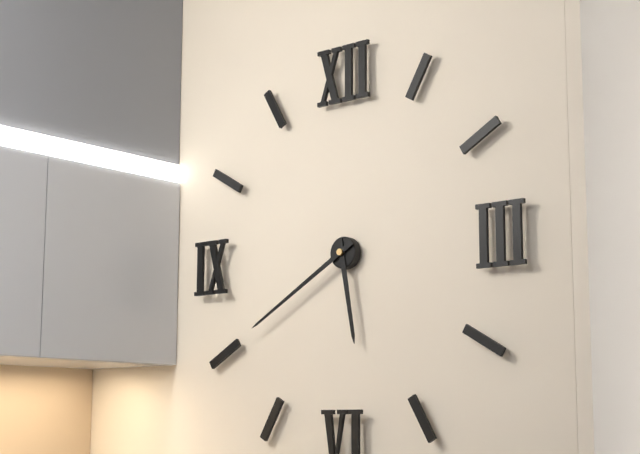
5:40
